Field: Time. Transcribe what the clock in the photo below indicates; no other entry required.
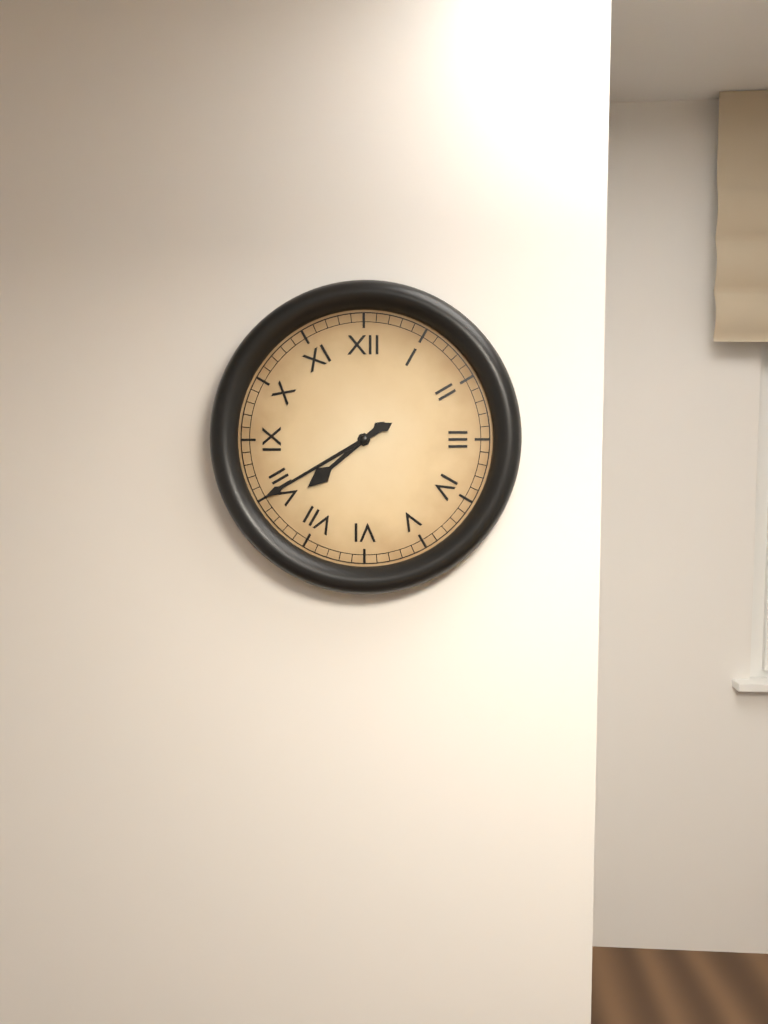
7:40
